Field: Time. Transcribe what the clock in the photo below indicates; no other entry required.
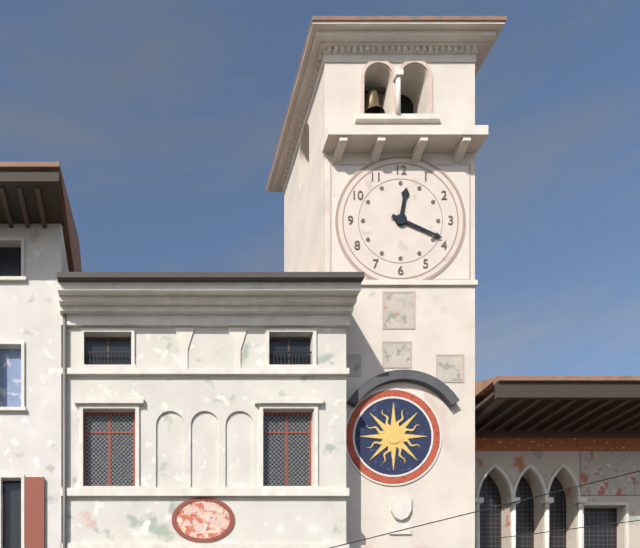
12:19
